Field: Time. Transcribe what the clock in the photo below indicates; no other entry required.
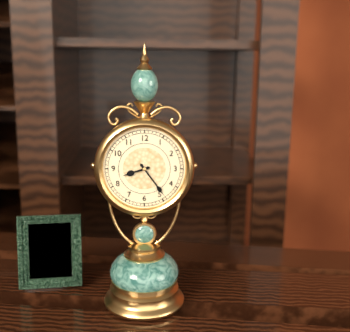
8:24
